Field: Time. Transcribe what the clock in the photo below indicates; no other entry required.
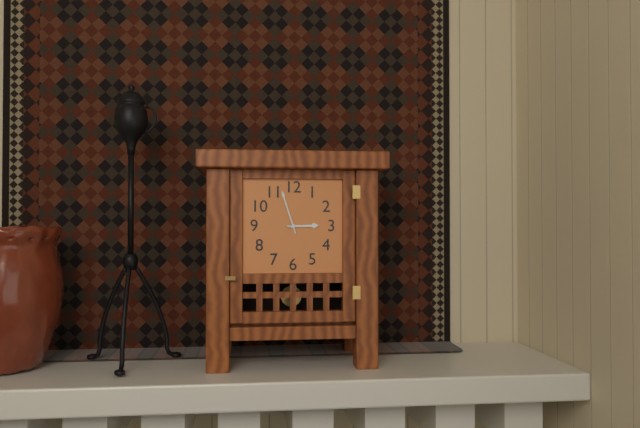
2:57
